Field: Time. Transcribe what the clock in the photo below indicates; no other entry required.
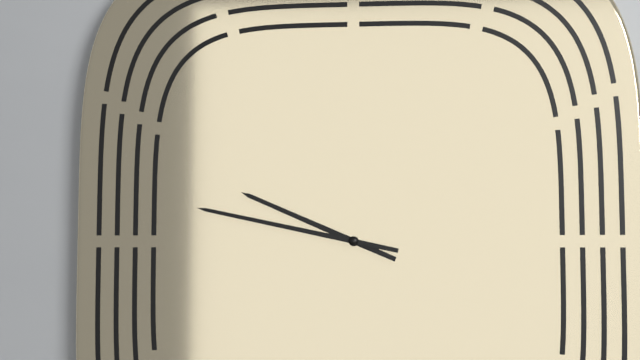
9:47
